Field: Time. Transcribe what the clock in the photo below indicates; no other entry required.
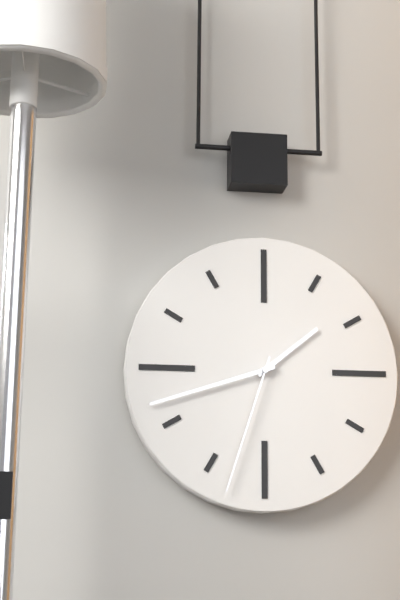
1:42:33
